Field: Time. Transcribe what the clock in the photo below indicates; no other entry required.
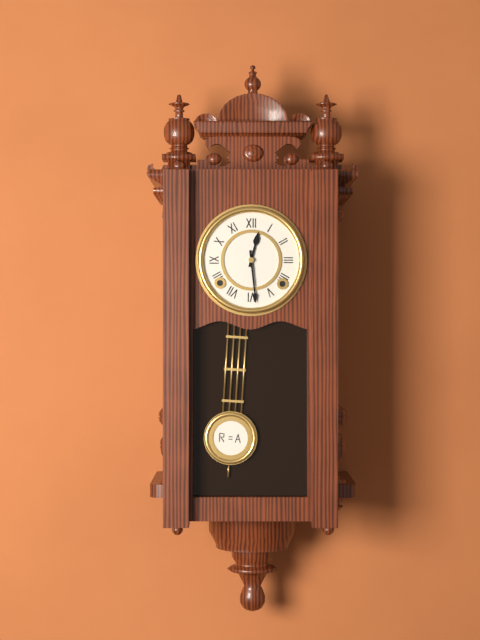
12:29
